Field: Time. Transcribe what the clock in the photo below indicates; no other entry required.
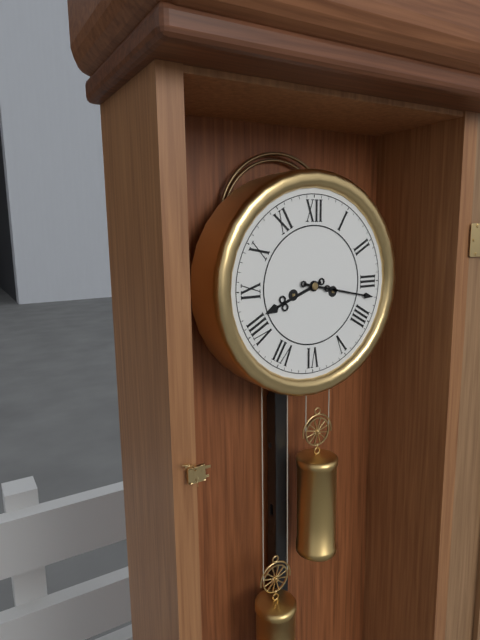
8:17
